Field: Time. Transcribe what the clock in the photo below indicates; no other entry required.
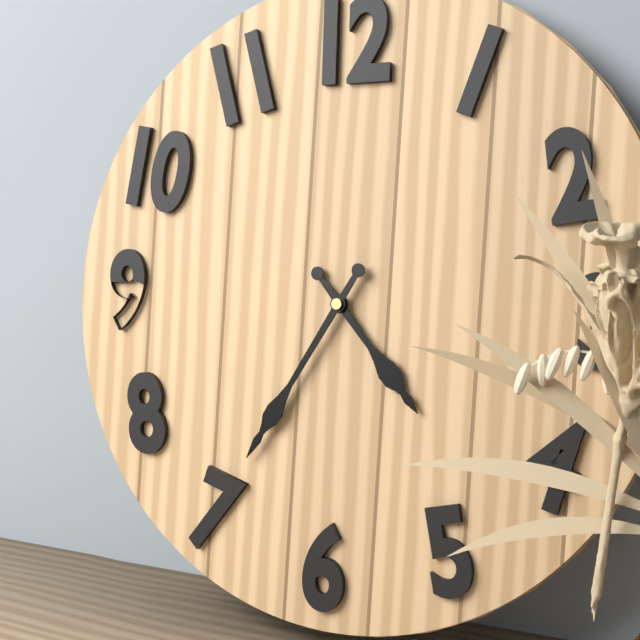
4:35
